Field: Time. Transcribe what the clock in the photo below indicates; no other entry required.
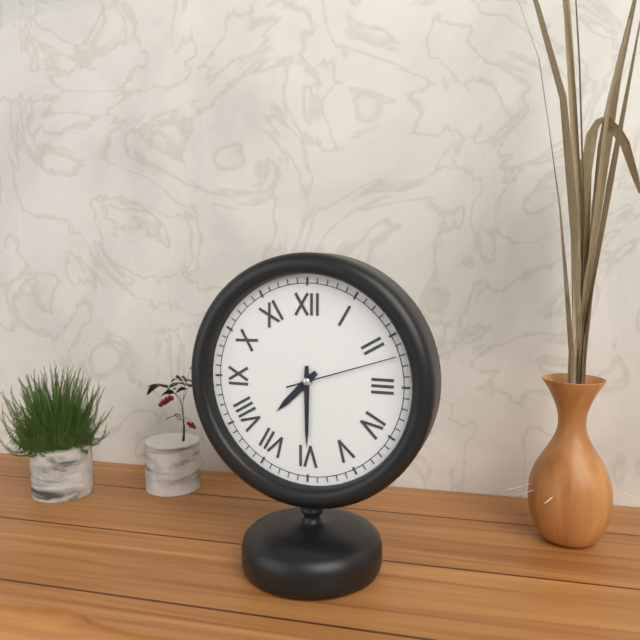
7:30:12
